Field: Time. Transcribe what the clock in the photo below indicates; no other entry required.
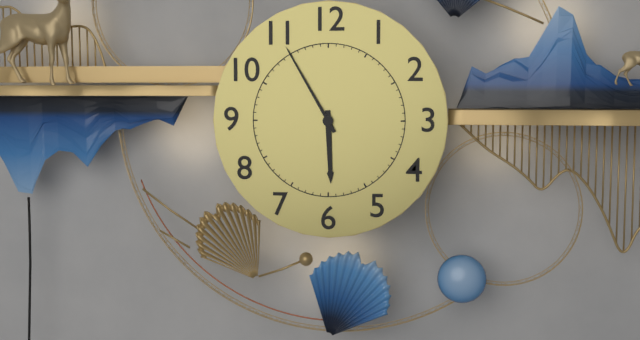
5:55
